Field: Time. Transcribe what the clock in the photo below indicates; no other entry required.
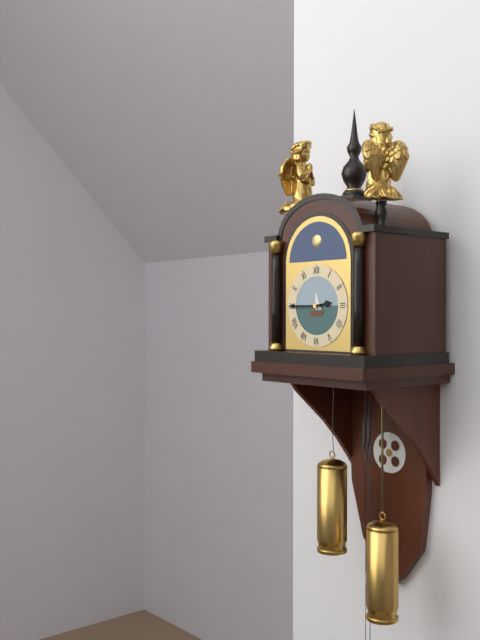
2:45
